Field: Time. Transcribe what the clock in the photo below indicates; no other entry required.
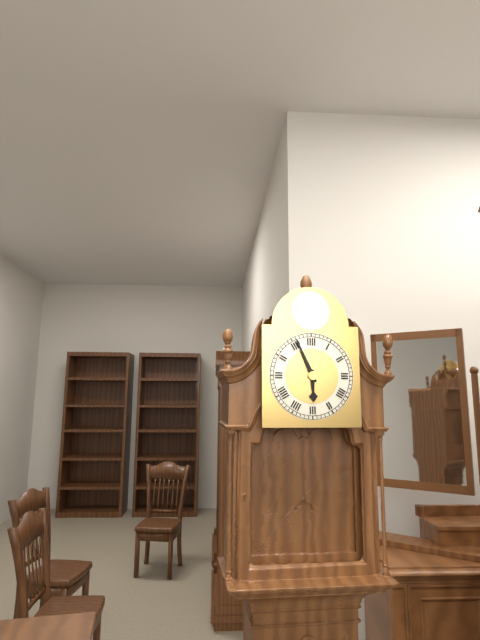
5:56
